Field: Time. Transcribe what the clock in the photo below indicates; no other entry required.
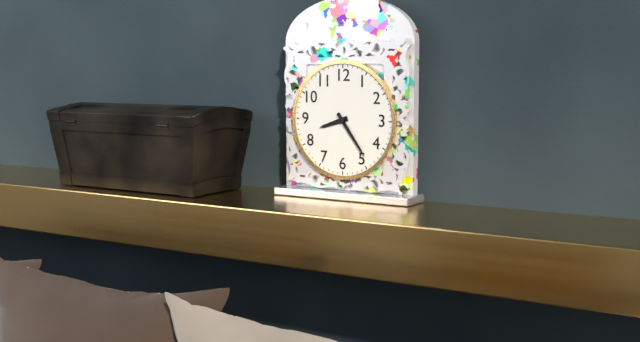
8:24
